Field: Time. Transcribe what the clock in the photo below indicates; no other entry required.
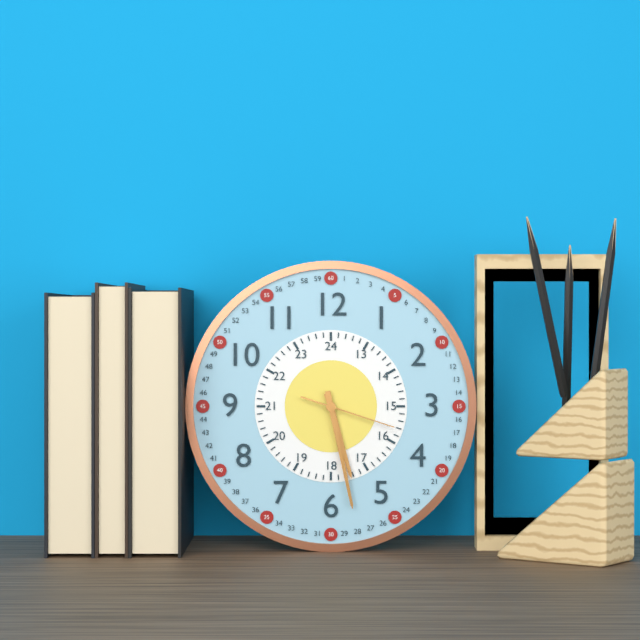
5:28:18
